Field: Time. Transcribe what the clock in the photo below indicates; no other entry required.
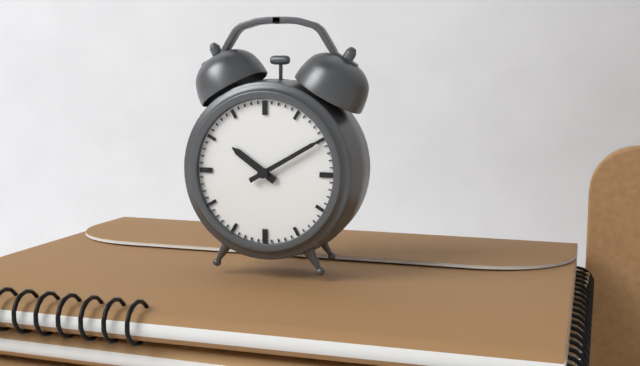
10:10
